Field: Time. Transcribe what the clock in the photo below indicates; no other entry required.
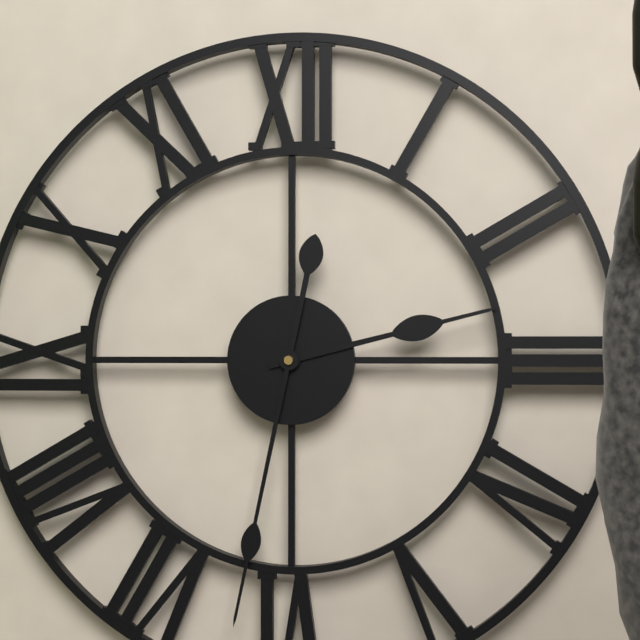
2:32
